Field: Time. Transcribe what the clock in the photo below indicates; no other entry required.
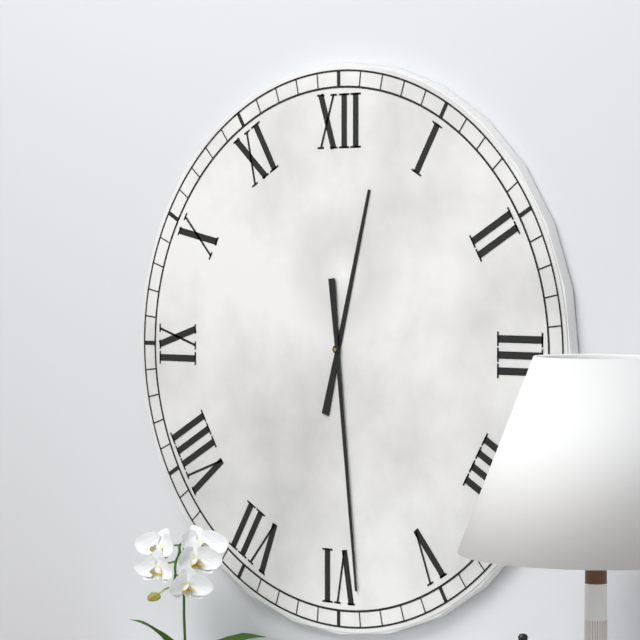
12:29
